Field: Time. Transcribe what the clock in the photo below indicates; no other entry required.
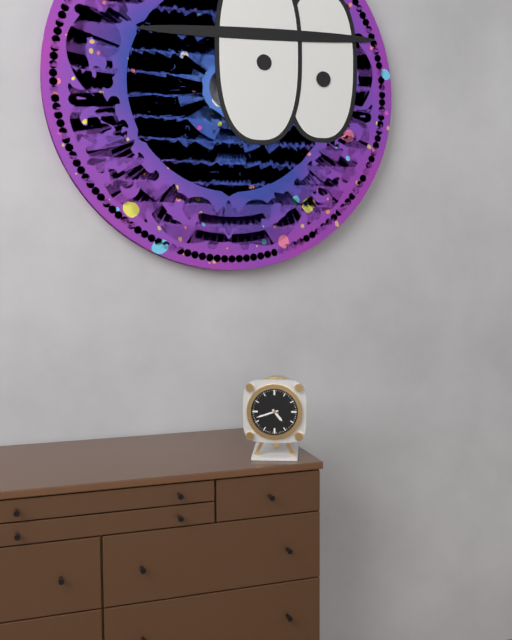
4:42
